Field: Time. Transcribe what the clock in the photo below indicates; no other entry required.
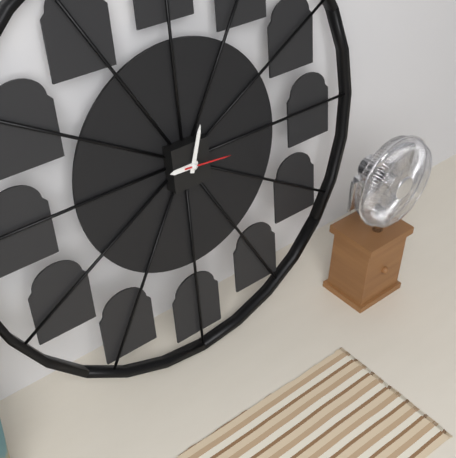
9:03
